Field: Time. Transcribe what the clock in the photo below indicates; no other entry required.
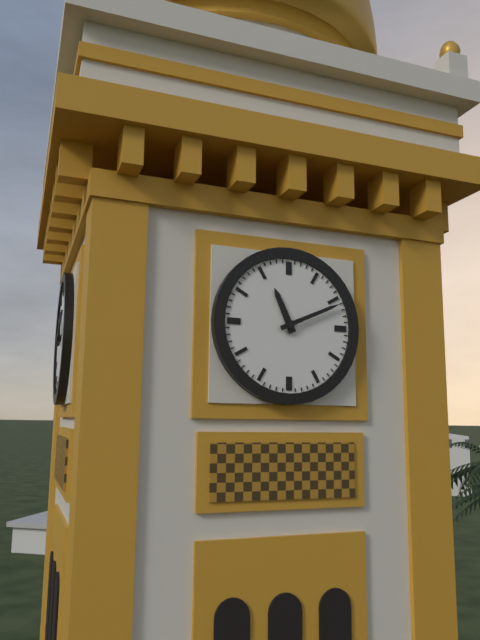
11:11
